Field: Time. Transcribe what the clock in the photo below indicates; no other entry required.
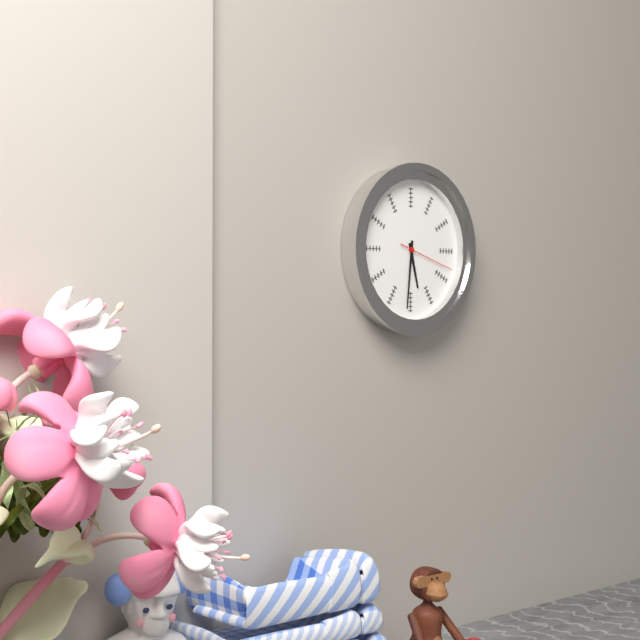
5:31:18
